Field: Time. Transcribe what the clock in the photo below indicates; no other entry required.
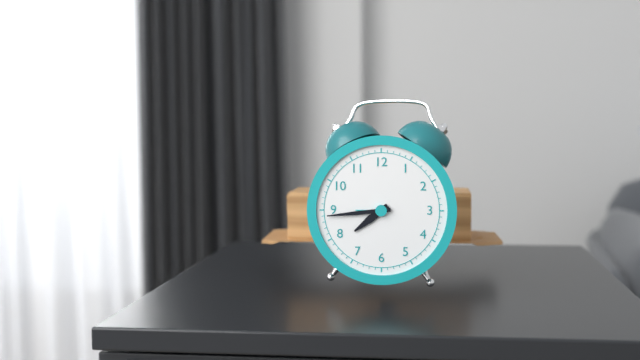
7:44
